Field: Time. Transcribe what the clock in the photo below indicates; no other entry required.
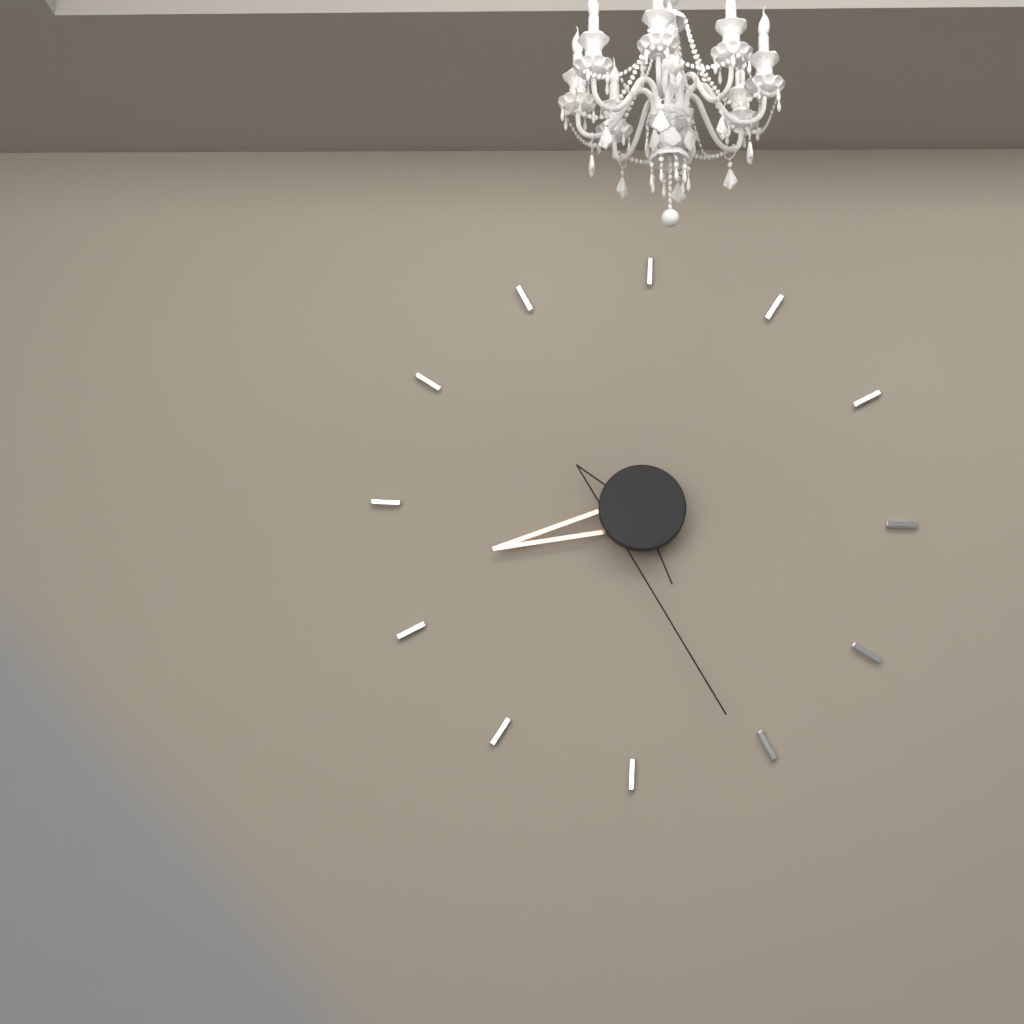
8:26
